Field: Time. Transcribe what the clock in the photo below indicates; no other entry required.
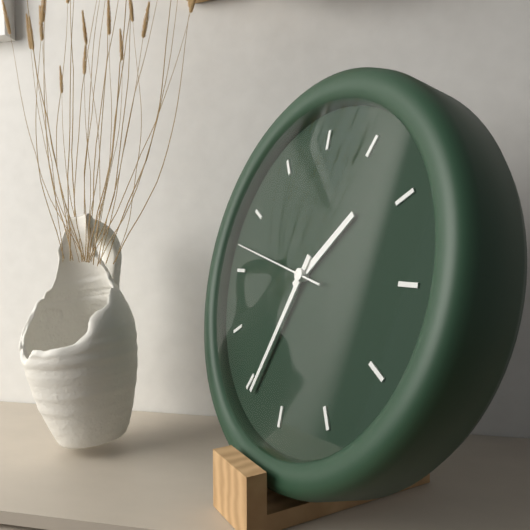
1:34:47
